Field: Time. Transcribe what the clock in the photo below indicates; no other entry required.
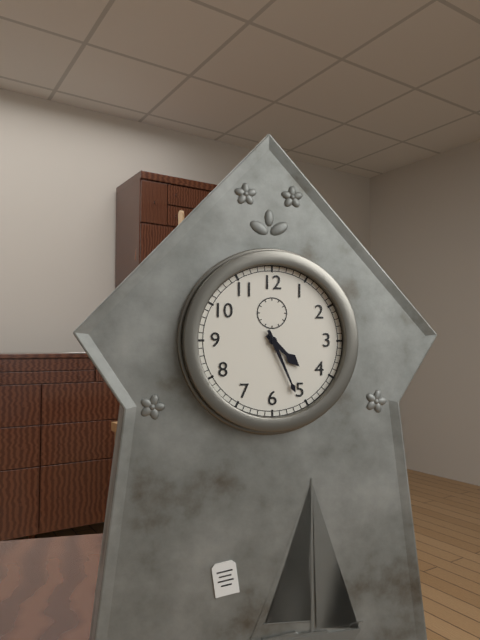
4:26
